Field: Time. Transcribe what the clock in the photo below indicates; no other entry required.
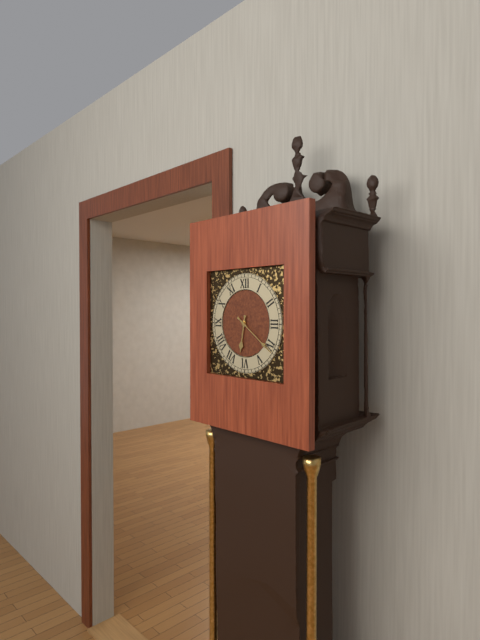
6:21
